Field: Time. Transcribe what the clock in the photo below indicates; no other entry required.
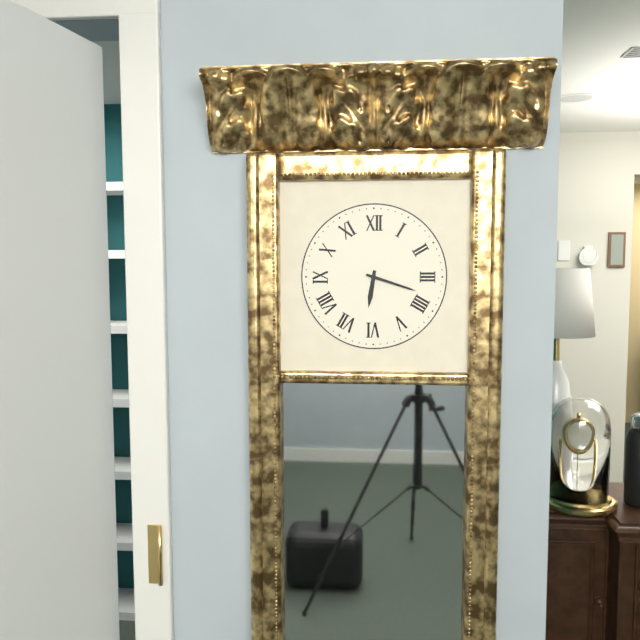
6:18
